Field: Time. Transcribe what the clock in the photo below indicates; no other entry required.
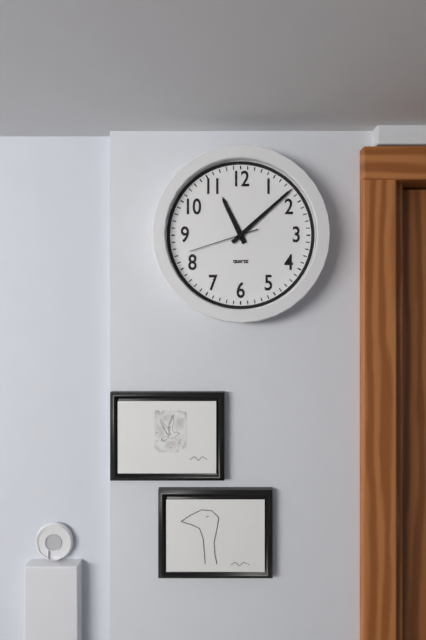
11:08:42
